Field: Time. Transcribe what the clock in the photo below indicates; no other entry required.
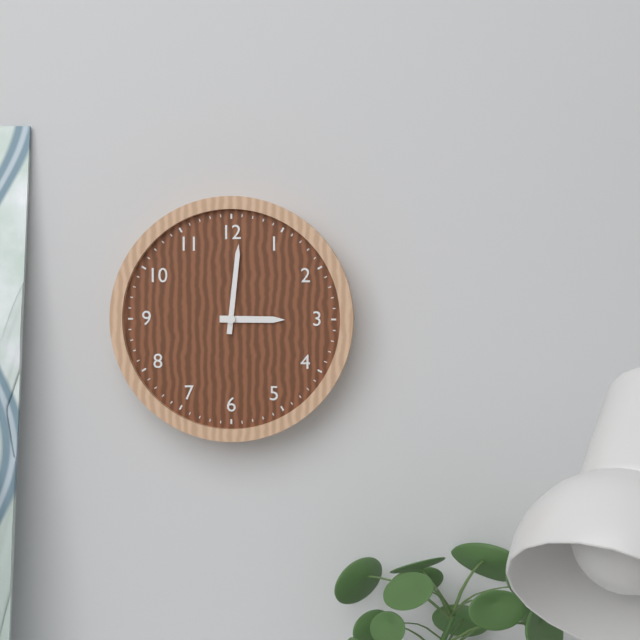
3:01
